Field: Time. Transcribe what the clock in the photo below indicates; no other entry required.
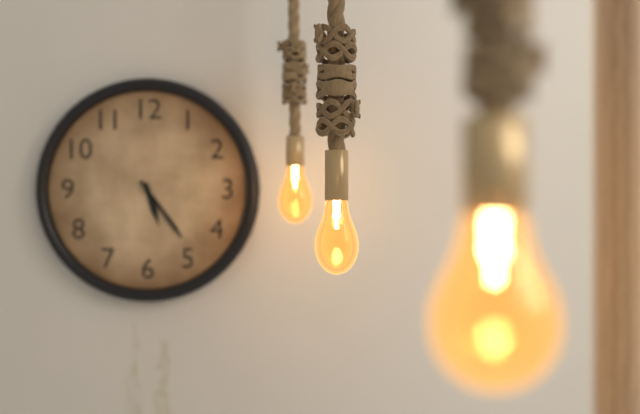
5:24
